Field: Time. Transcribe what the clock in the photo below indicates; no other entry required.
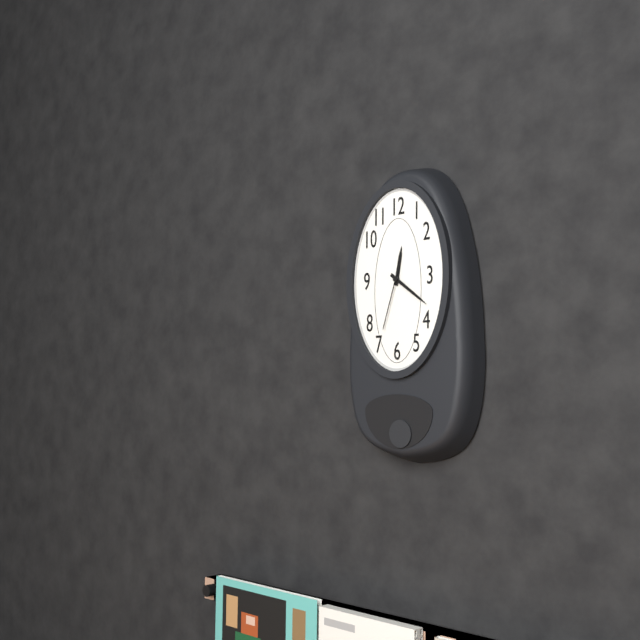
12:21:33
